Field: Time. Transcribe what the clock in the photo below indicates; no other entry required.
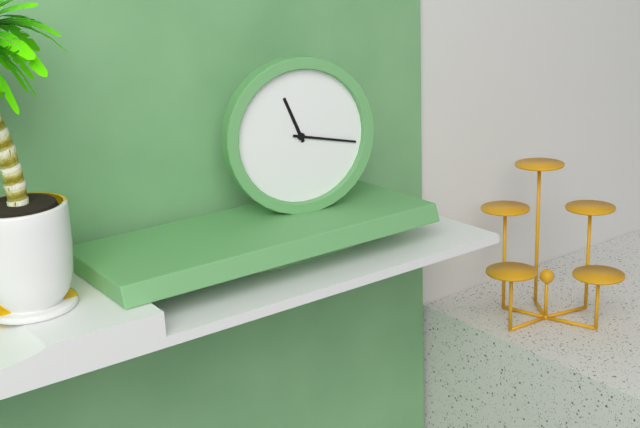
11:17
